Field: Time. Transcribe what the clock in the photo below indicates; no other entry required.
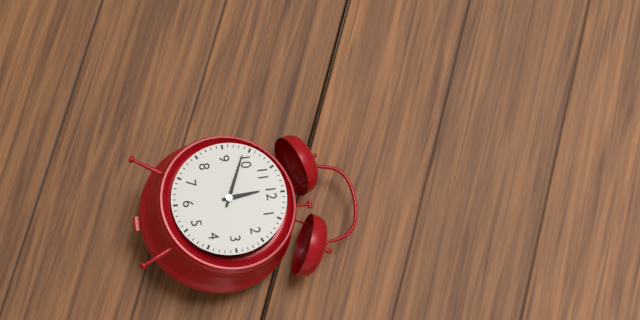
11:49
